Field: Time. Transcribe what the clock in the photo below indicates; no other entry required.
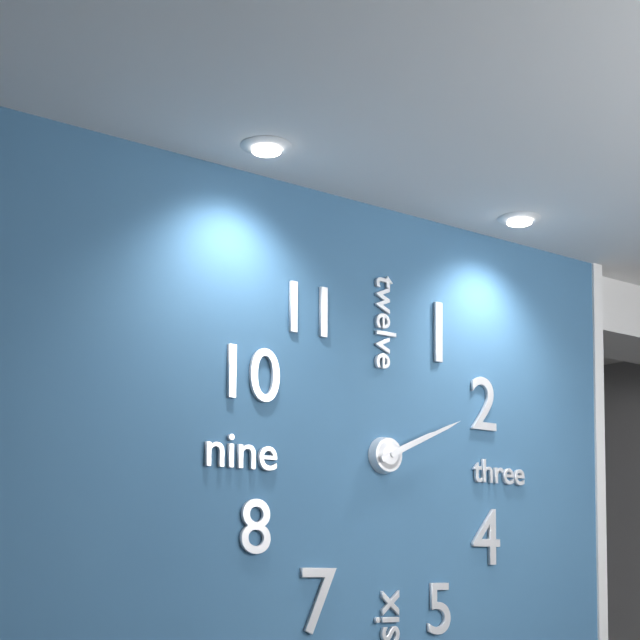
2:11
